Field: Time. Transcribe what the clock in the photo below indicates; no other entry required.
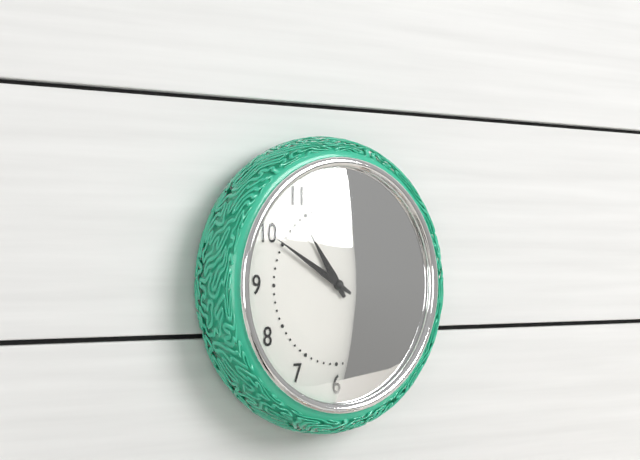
10:50
